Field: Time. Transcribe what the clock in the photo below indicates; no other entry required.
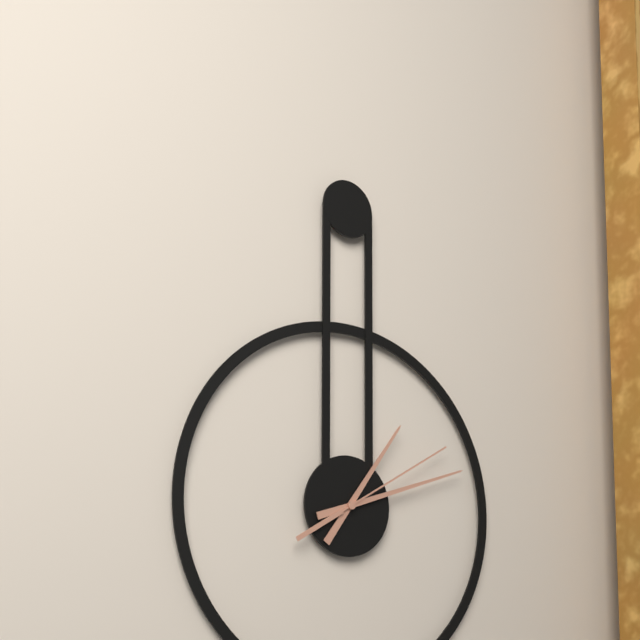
1:12:10
